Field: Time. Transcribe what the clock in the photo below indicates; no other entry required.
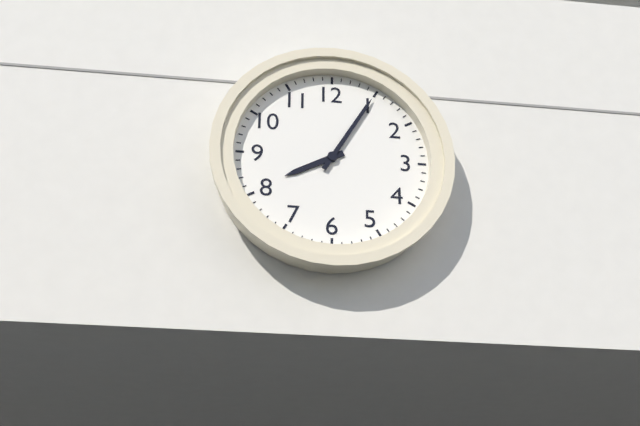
8:05
